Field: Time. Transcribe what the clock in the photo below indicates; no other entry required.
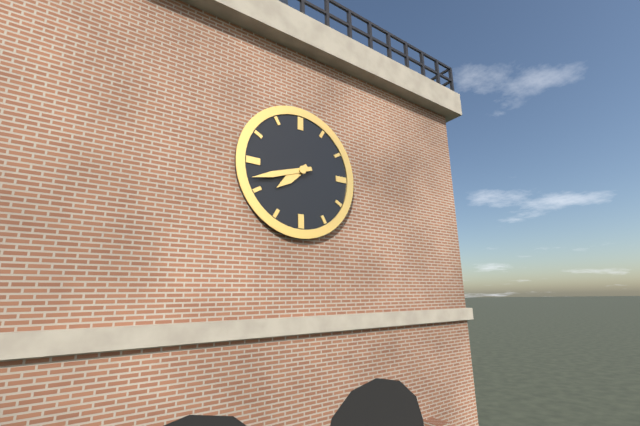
7:42
